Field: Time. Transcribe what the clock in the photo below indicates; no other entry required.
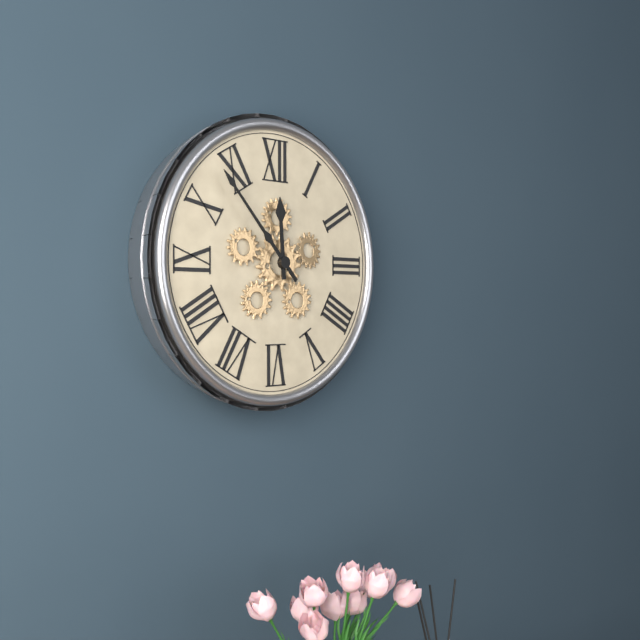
11:53
